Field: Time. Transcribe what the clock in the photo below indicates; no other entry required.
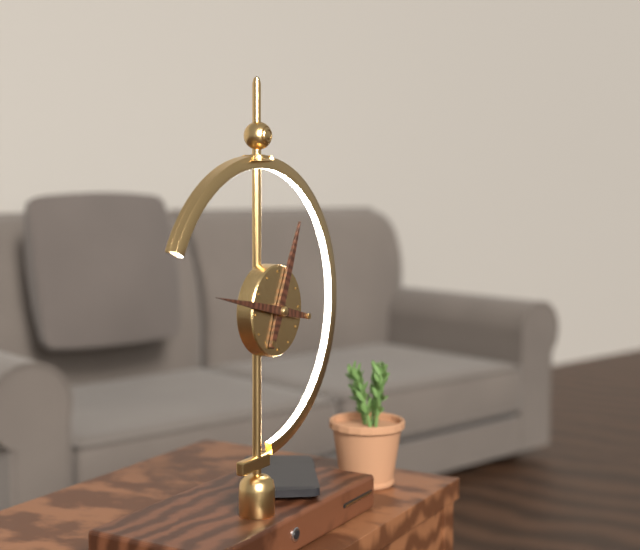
12:47
